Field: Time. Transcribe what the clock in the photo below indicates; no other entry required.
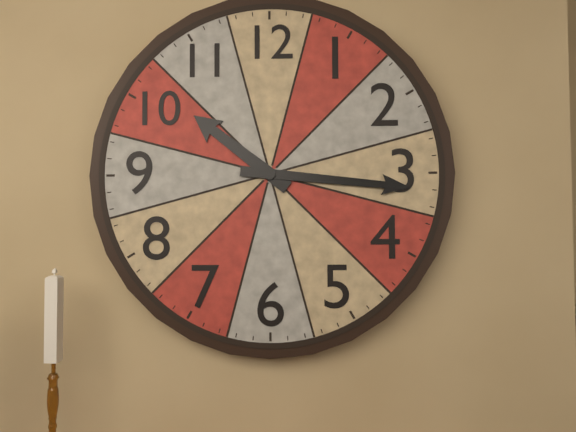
10:16
